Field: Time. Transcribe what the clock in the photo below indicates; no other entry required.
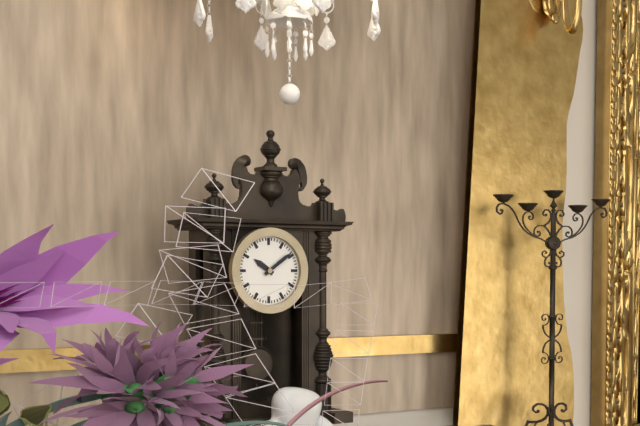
10:09
